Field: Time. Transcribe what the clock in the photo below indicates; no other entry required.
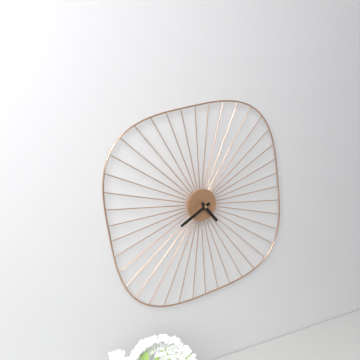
4:40
